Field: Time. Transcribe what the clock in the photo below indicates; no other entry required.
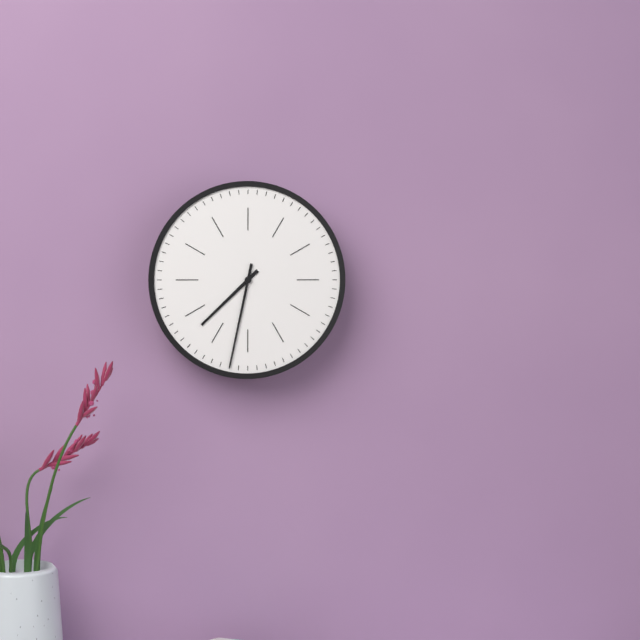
7:32
